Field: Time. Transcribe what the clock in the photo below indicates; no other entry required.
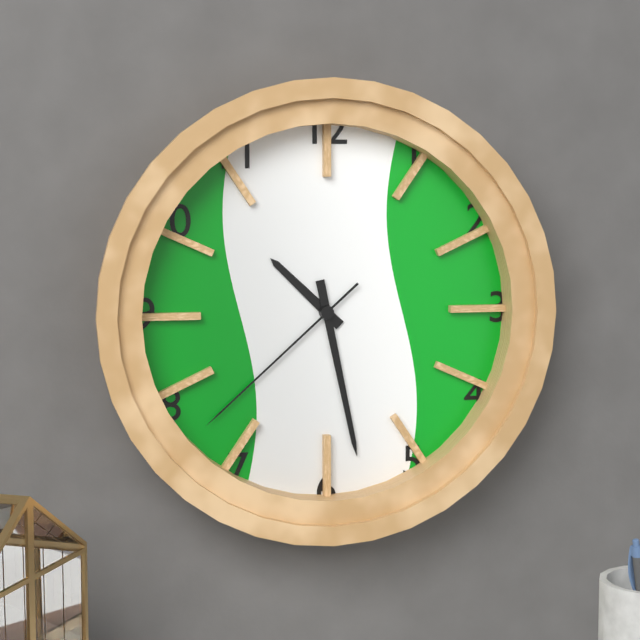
10:28:38
